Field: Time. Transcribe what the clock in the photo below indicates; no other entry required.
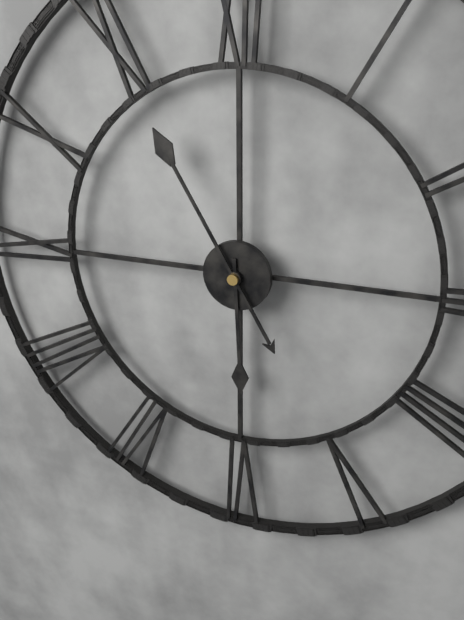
5:55
